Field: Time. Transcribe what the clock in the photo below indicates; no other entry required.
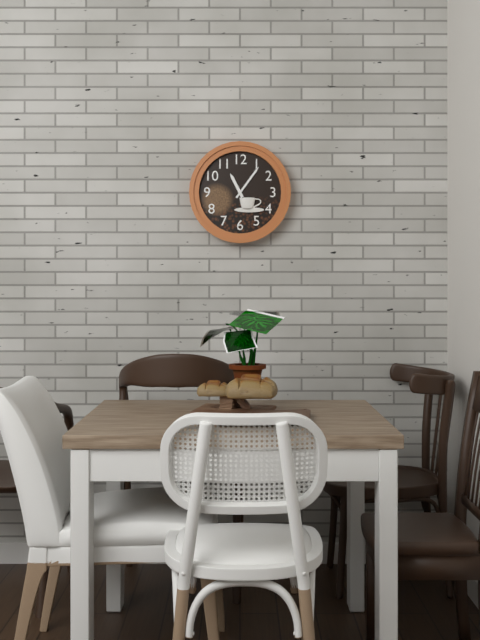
11:06
